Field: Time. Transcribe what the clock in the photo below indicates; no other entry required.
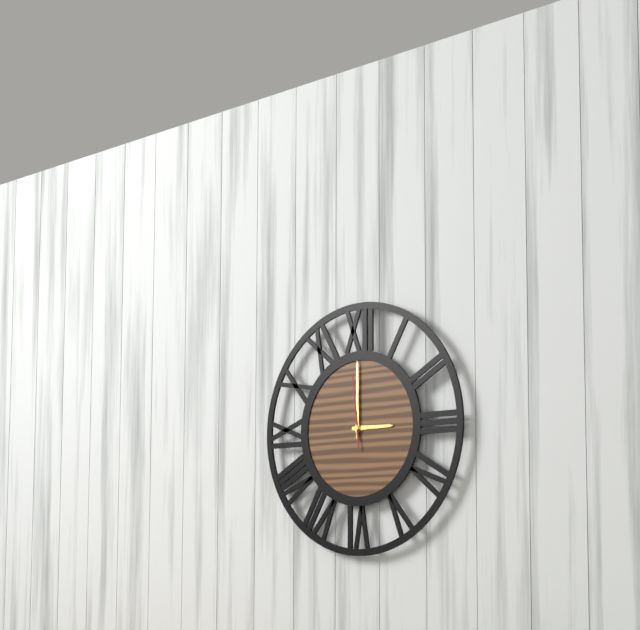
3:00:59
